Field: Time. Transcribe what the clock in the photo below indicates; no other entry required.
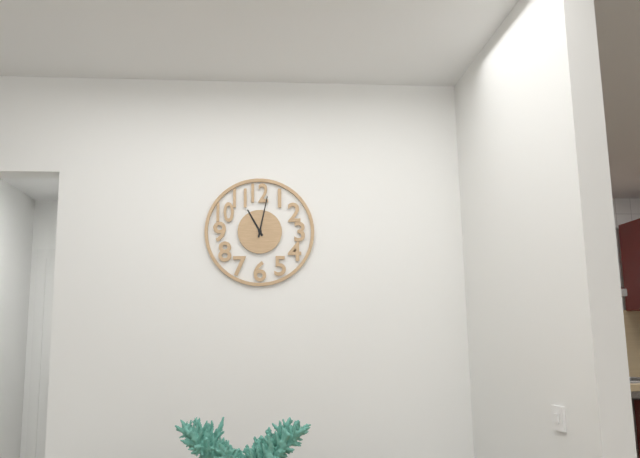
11:02
